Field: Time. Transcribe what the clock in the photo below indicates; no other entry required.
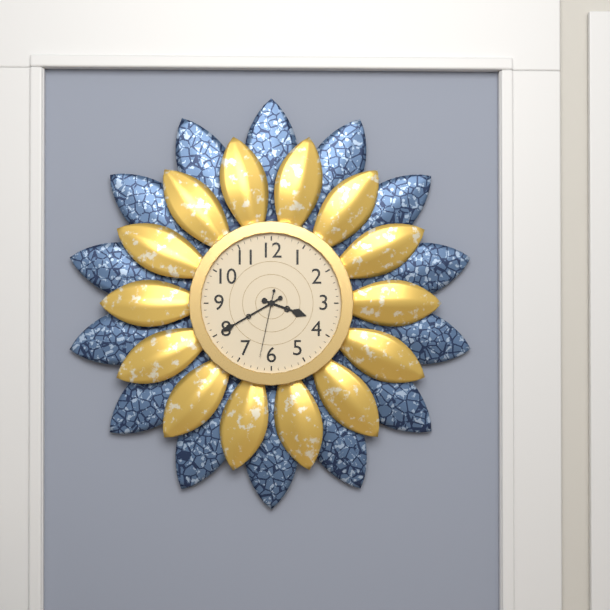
3:40:32
